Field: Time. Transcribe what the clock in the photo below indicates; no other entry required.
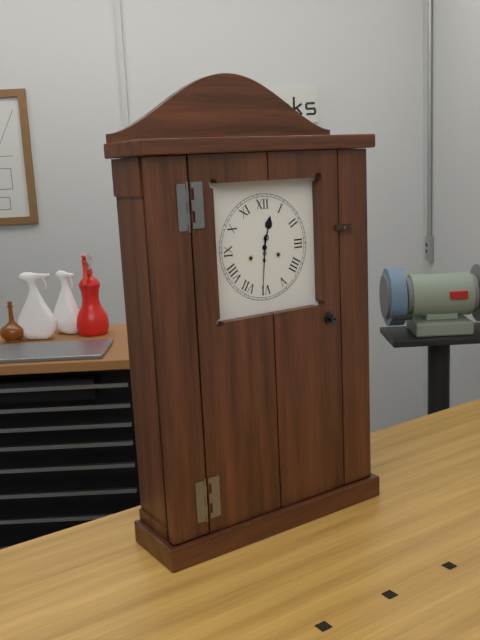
12:31
